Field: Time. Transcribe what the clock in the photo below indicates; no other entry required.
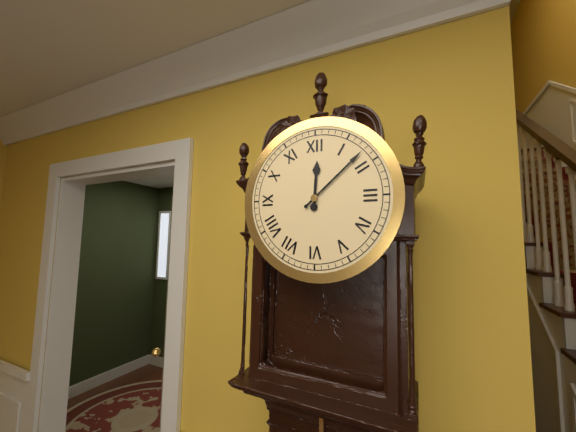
12:08
